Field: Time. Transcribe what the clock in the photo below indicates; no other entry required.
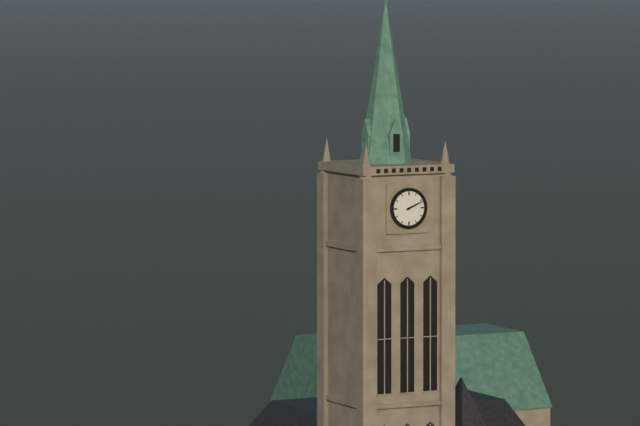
2:11
